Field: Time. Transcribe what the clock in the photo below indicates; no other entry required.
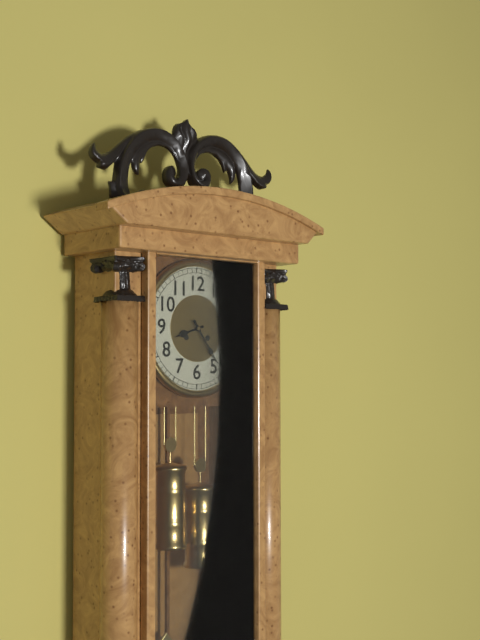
8:24
